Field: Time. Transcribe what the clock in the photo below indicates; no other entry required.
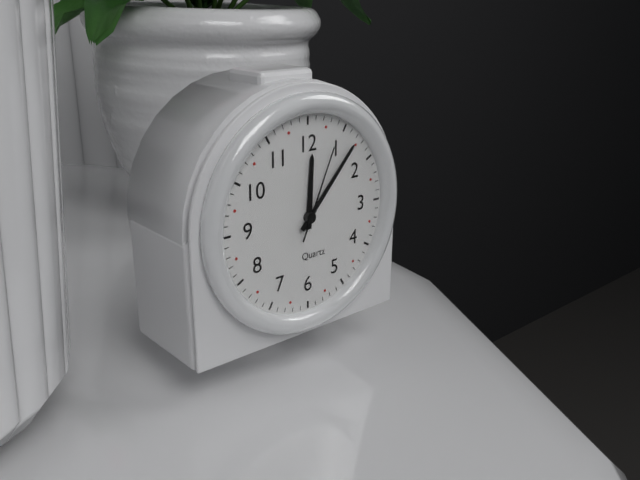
12:07:04
